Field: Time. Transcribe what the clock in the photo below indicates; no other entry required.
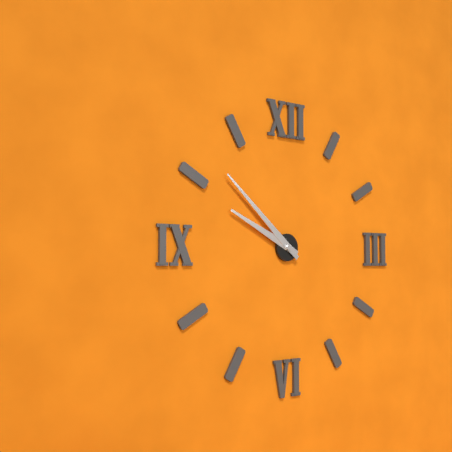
9:52
